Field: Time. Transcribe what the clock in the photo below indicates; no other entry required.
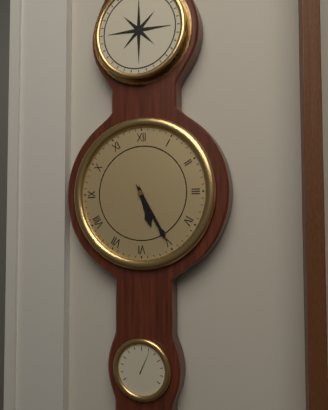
5:25
